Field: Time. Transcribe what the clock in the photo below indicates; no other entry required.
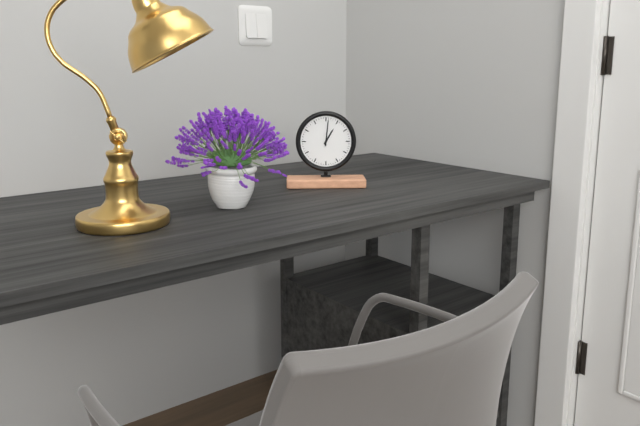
1:01
